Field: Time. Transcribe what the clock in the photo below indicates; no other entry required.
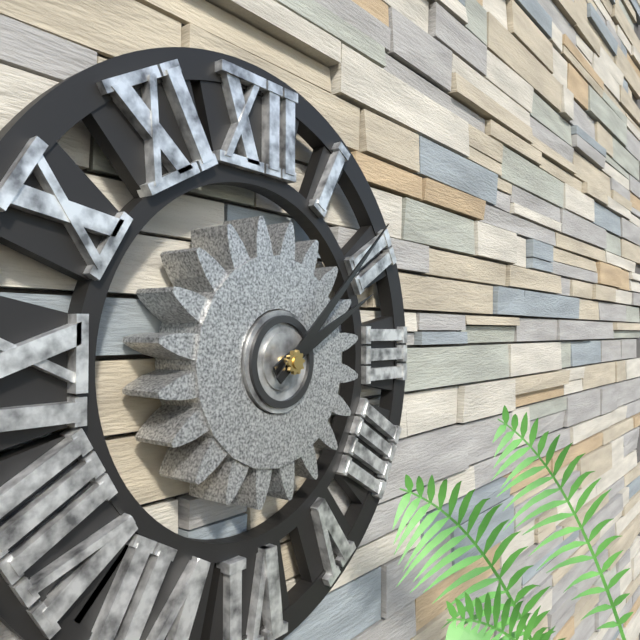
2:08
